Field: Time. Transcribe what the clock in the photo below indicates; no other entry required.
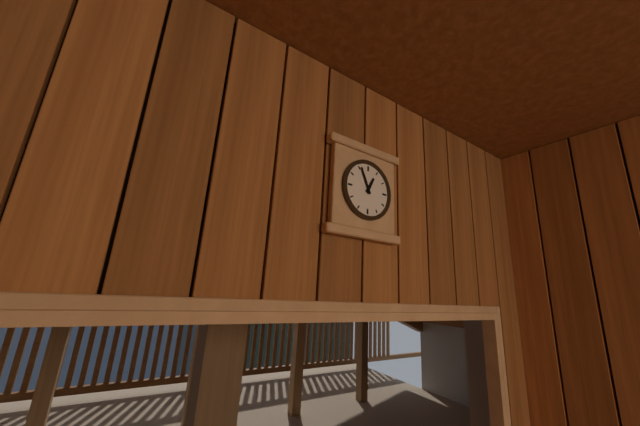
12:56
